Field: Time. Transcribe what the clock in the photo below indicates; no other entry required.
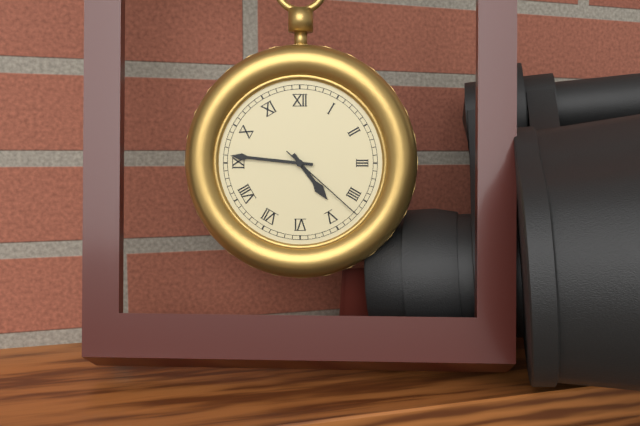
4:46:22
